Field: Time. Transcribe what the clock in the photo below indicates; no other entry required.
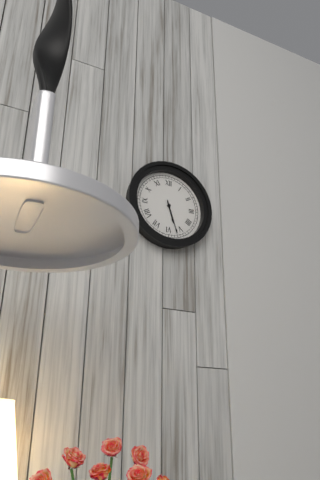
5:27
